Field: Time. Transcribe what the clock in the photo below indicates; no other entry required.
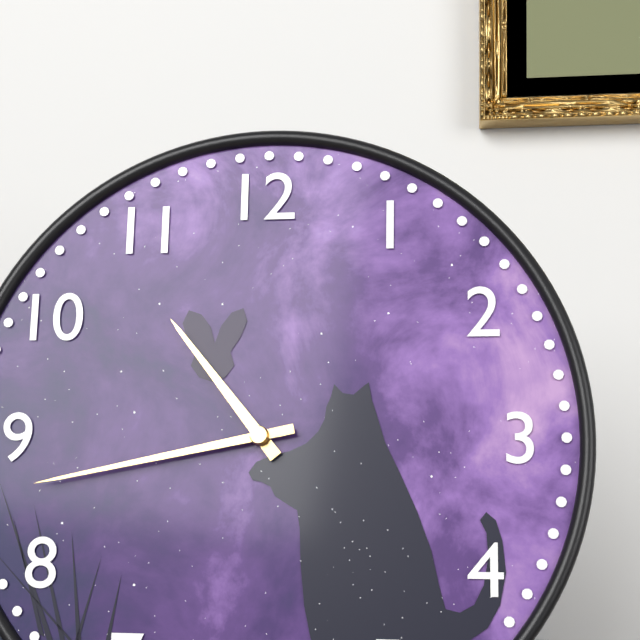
10:43
